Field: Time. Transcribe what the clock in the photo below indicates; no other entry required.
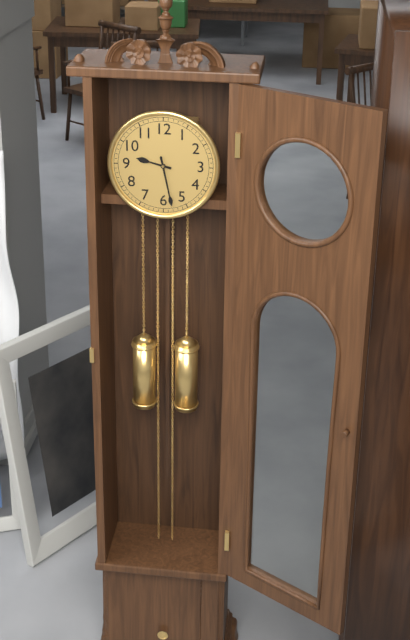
9:28
